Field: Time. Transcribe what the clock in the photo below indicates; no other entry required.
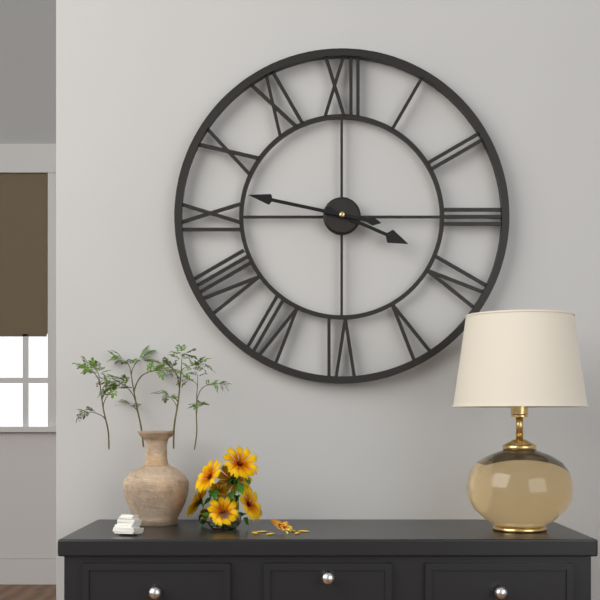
3:47
